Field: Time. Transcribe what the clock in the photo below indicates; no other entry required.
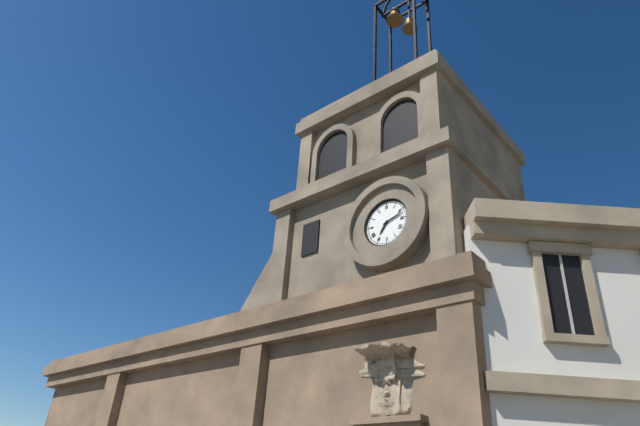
7:12
